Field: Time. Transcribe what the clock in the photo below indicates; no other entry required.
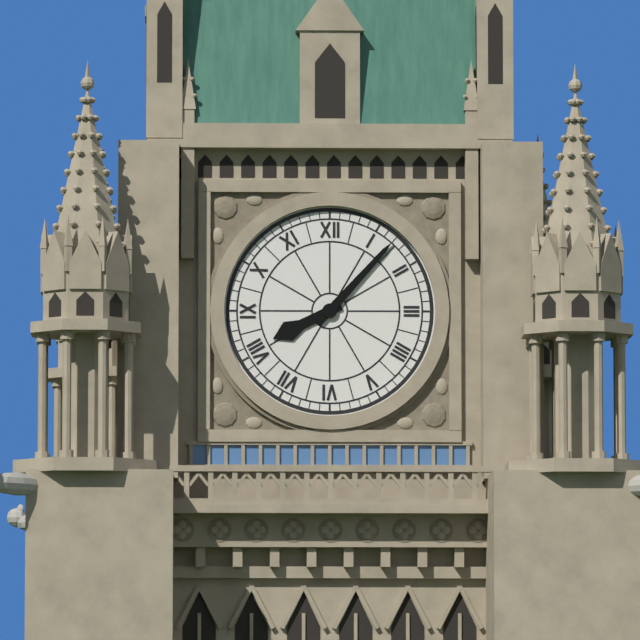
8:07
